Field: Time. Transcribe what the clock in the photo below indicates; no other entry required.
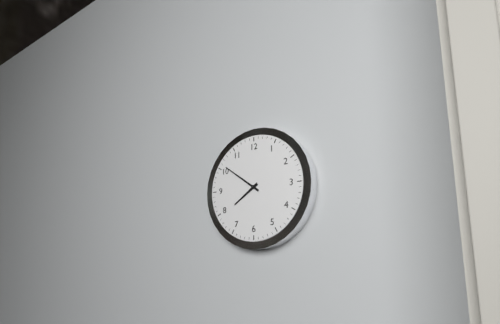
7:51
